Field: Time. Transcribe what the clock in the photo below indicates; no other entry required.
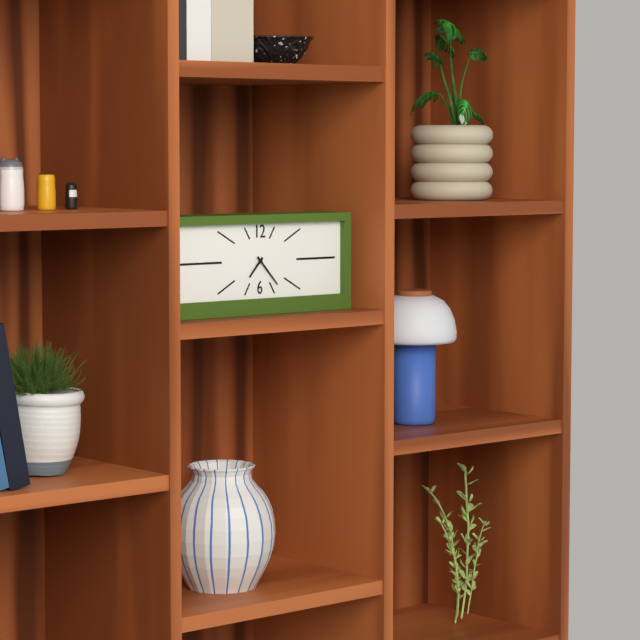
7:23
